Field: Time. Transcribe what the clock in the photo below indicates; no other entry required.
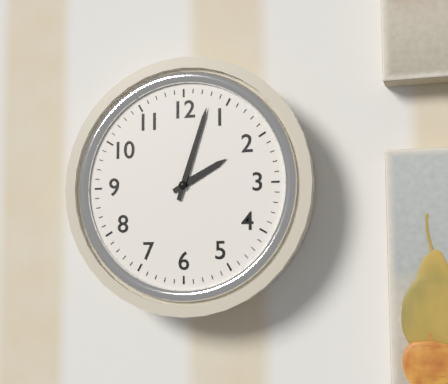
2:03
